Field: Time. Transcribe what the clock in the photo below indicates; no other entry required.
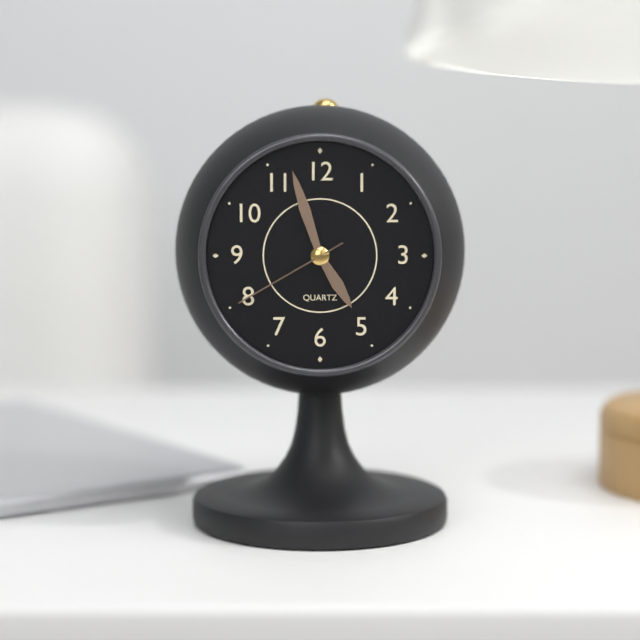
4:57:40
